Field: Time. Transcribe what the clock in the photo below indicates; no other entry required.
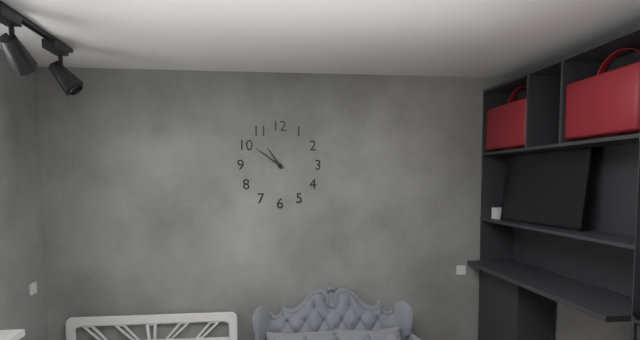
10:51
